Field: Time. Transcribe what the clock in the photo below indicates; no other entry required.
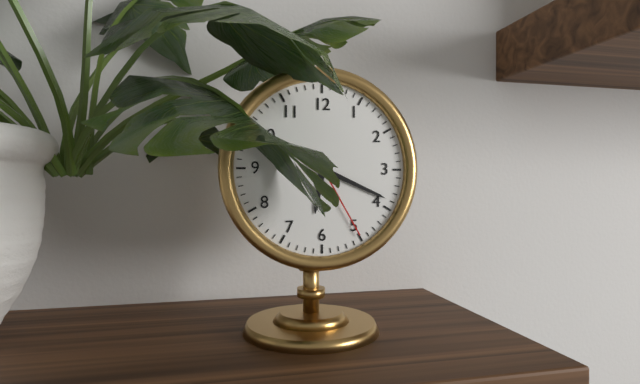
6:19:25
